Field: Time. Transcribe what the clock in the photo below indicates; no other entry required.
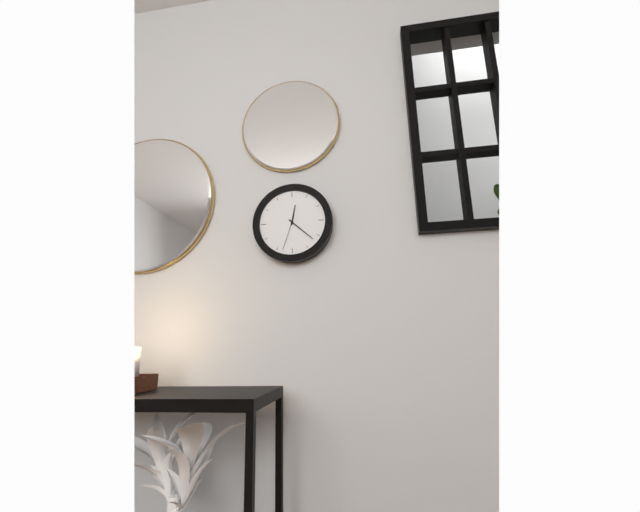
12:22
